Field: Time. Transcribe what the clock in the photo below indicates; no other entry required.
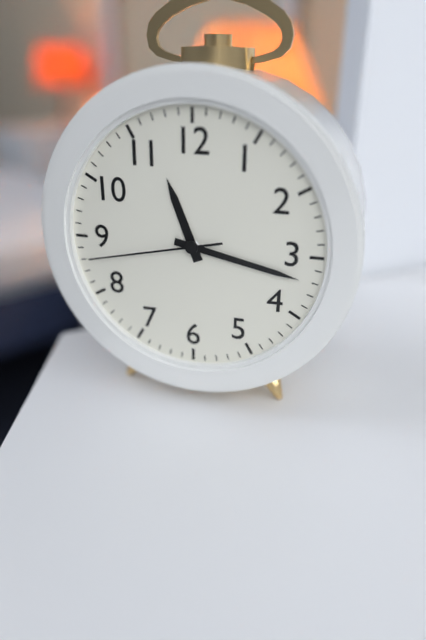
11:17:43
